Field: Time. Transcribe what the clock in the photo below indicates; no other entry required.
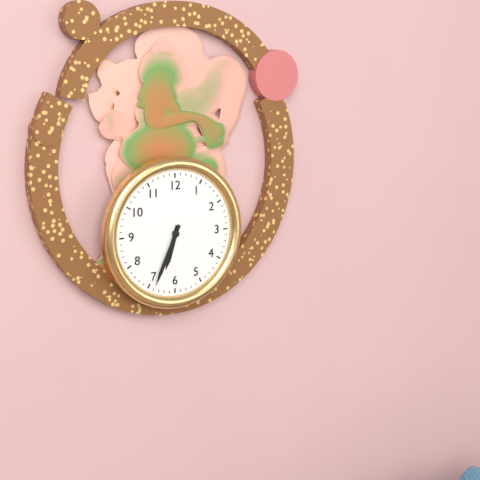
6:34
